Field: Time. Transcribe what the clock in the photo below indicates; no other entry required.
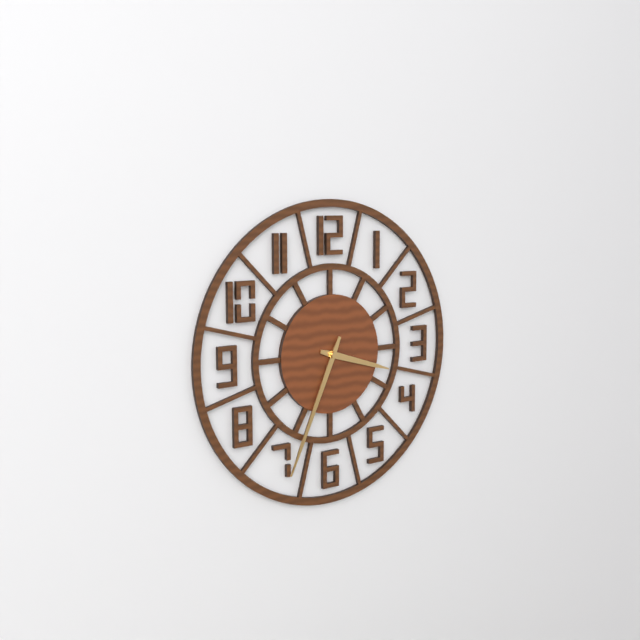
3:34
